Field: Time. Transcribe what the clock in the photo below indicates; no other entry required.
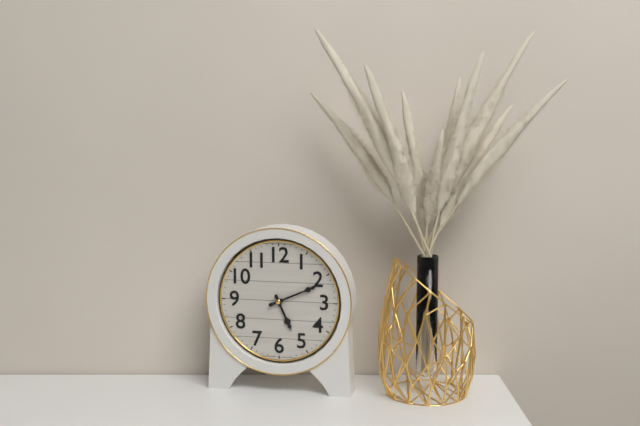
5:11
